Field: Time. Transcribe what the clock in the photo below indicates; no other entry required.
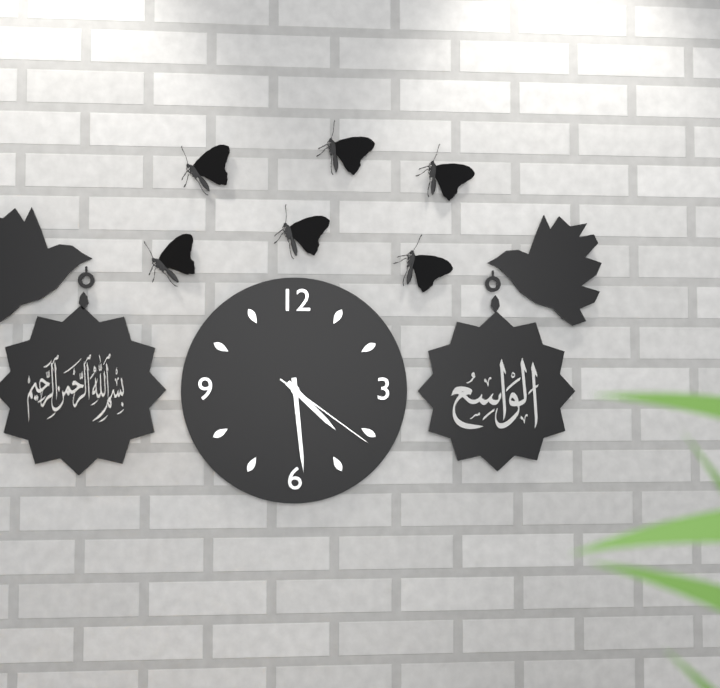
4:29:21
